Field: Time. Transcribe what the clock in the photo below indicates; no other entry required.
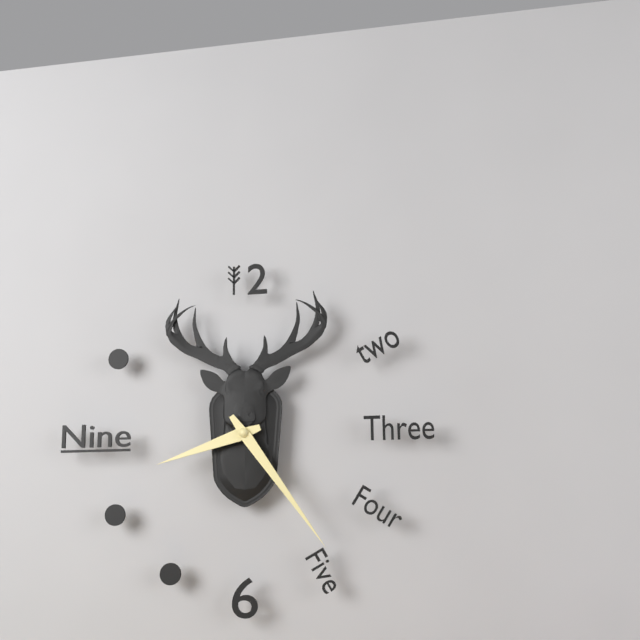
8:24
